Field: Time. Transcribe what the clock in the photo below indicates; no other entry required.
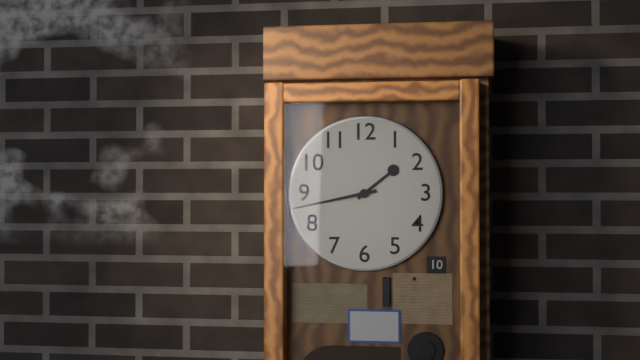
1:43
